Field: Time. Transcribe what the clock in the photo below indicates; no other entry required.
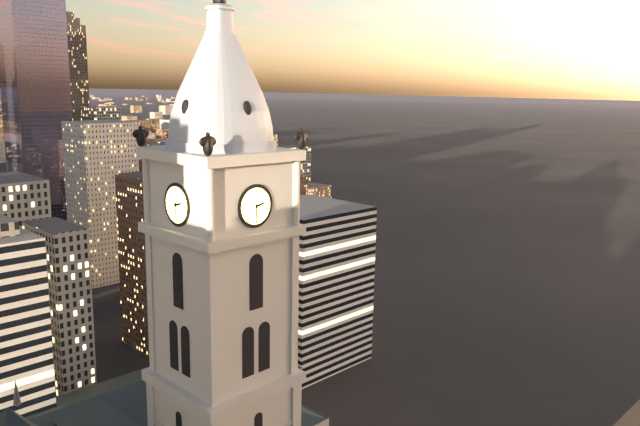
2:30
